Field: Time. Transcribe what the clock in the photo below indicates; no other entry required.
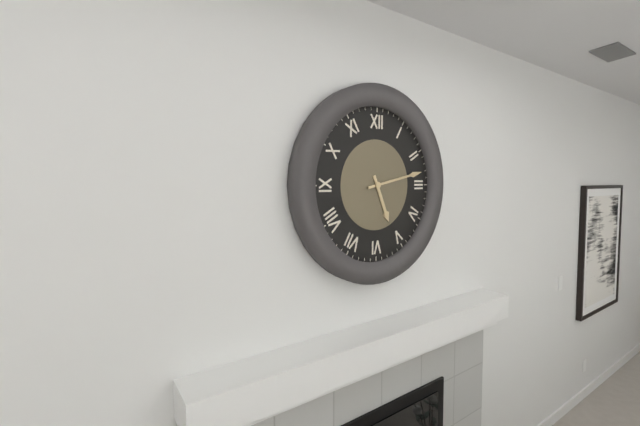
5:13
